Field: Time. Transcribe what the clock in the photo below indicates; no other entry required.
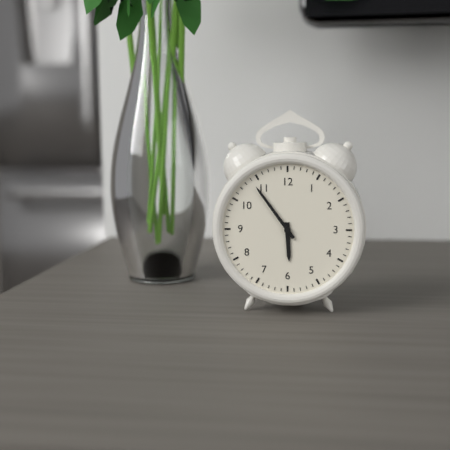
5:54
